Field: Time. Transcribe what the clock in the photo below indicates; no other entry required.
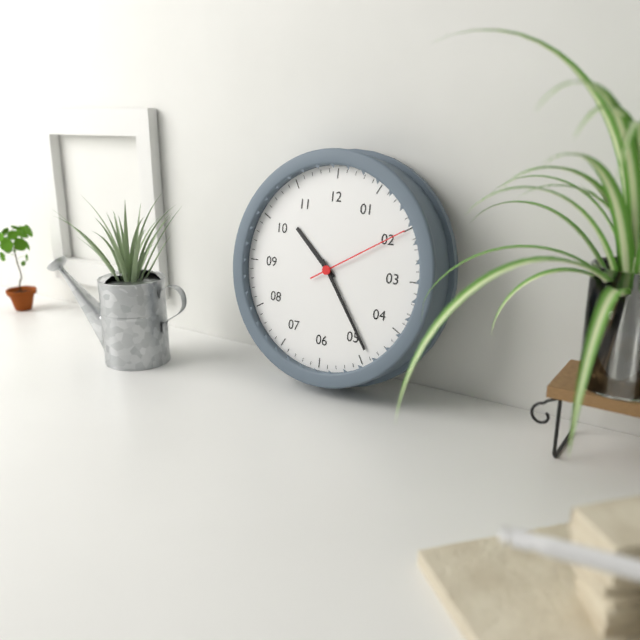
10:24:10
